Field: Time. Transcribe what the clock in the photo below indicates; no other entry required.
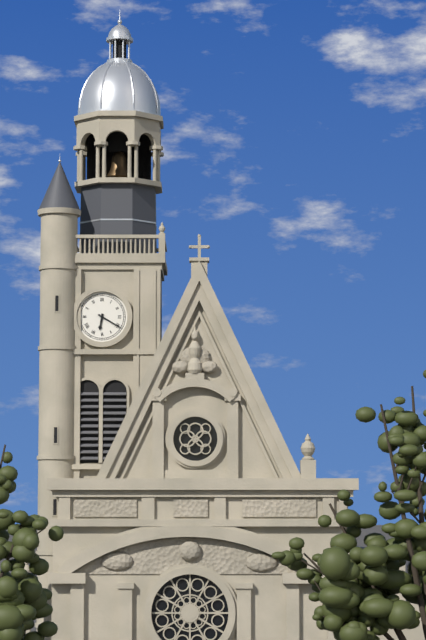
6:20
